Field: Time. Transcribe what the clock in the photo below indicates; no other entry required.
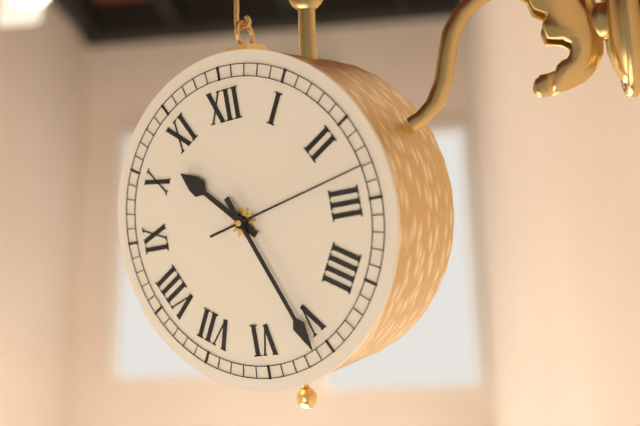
10:26:13
